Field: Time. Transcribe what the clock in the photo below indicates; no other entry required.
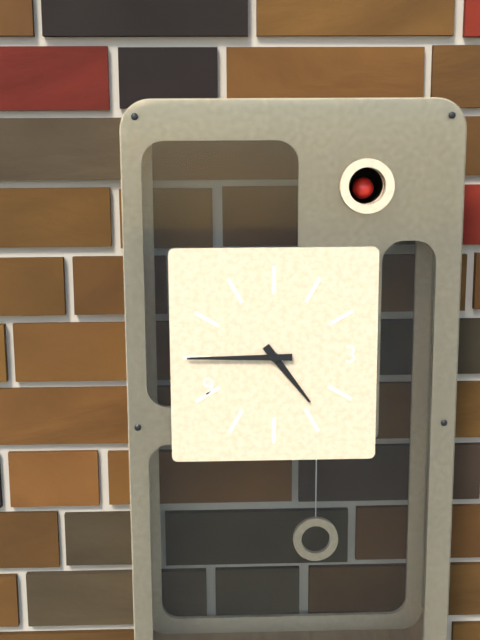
4:45
